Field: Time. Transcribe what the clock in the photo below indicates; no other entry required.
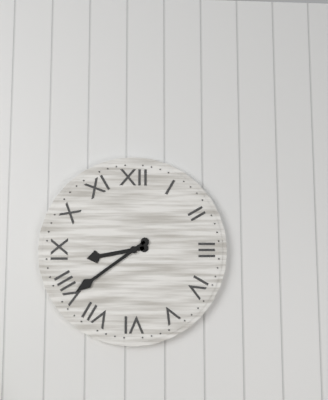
8:39
